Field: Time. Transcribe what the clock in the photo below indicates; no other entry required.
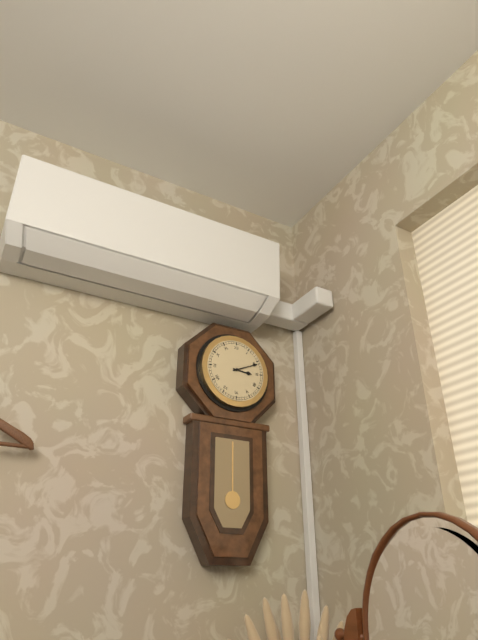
3:11
